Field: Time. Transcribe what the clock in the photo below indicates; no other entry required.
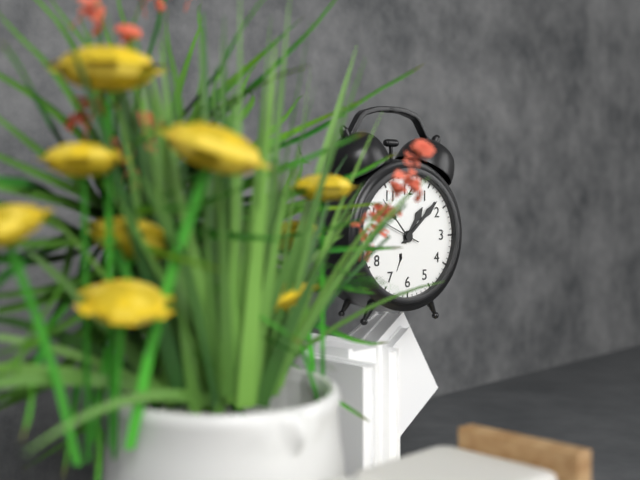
1:08
